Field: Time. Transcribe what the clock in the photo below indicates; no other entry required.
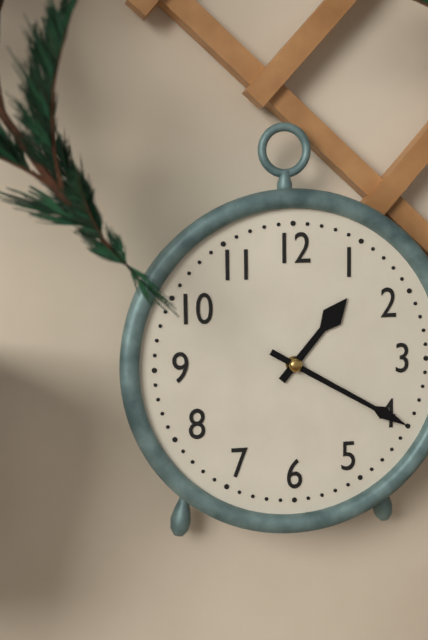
1:20
